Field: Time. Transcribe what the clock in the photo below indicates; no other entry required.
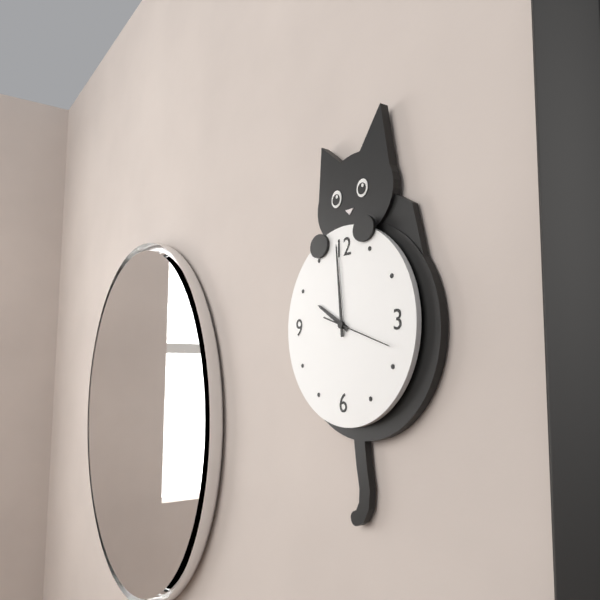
9:59
